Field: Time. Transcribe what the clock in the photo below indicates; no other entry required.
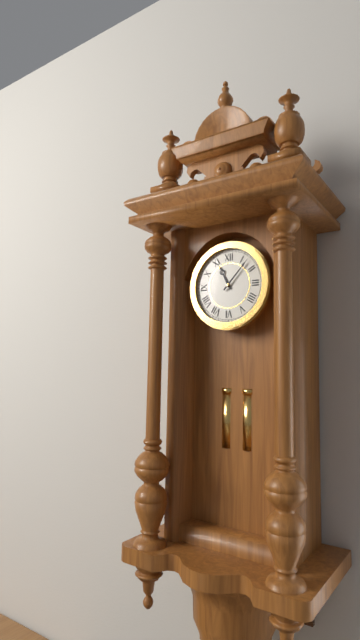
11:07
